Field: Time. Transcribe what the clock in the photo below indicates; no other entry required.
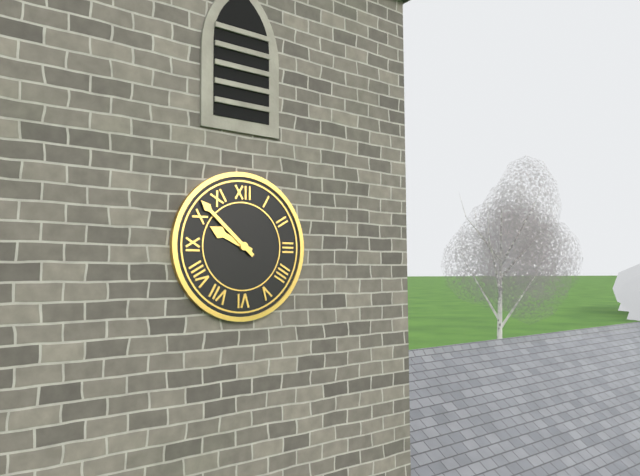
9:52
